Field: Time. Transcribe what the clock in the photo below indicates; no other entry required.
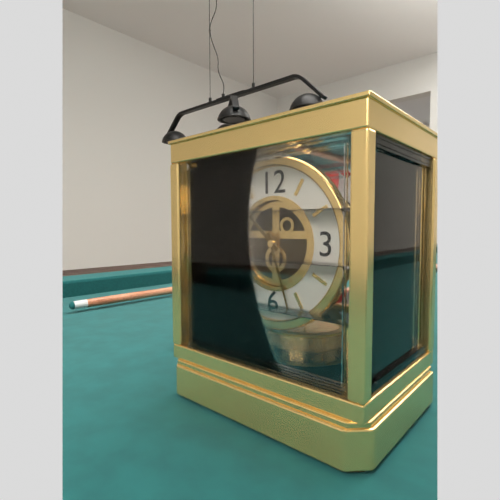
10:27
